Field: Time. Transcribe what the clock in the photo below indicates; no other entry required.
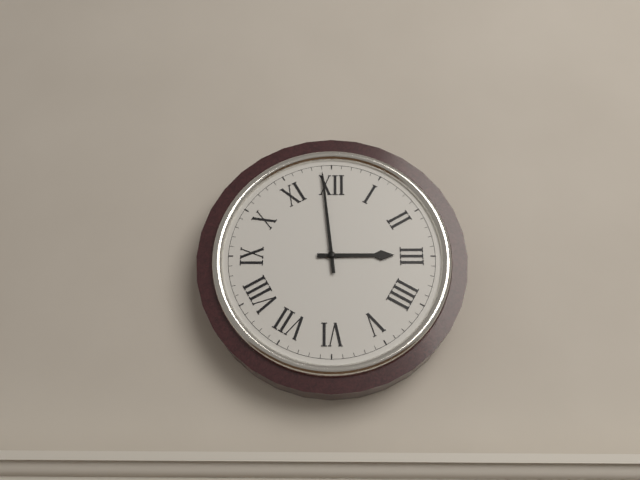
2:59
